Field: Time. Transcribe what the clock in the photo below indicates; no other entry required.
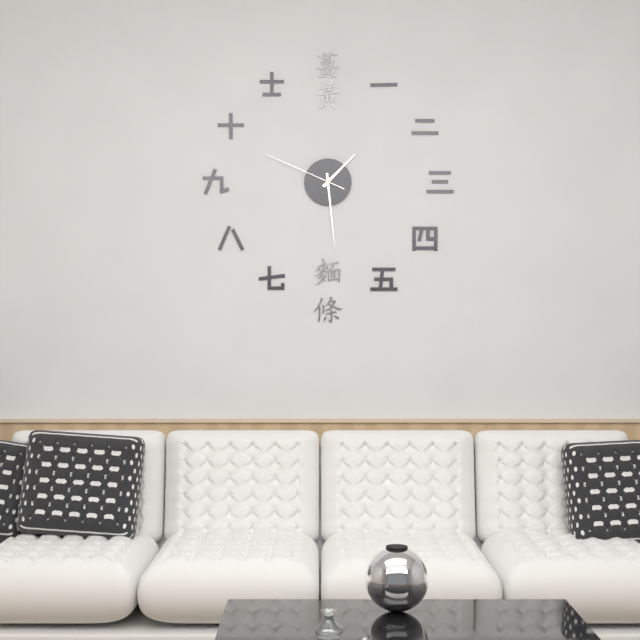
1:29:49
